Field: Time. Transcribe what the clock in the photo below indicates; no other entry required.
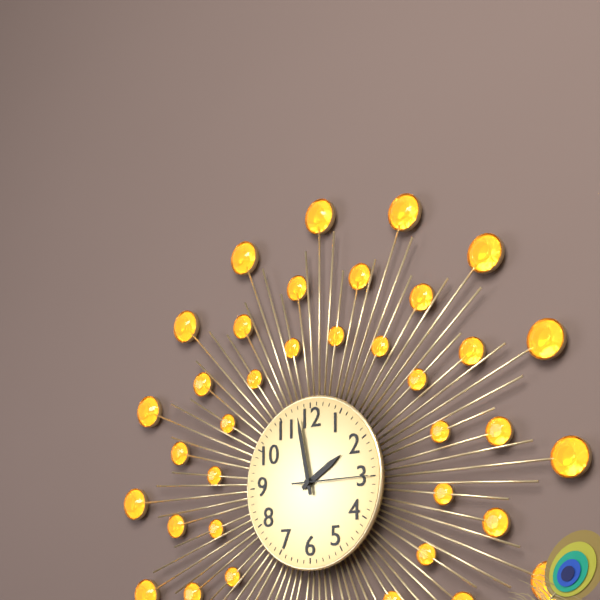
1:58:15
